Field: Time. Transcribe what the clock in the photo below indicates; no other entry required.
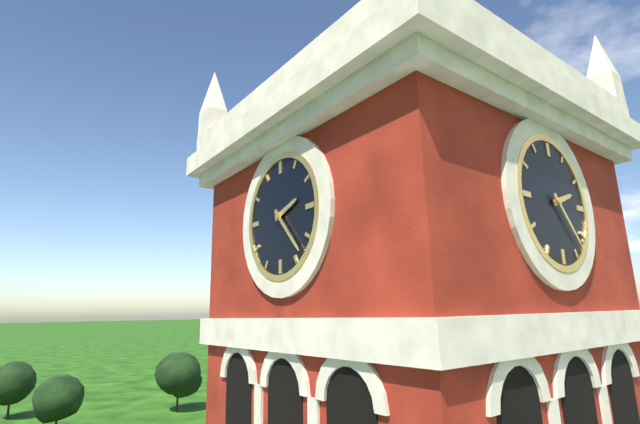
2:23
